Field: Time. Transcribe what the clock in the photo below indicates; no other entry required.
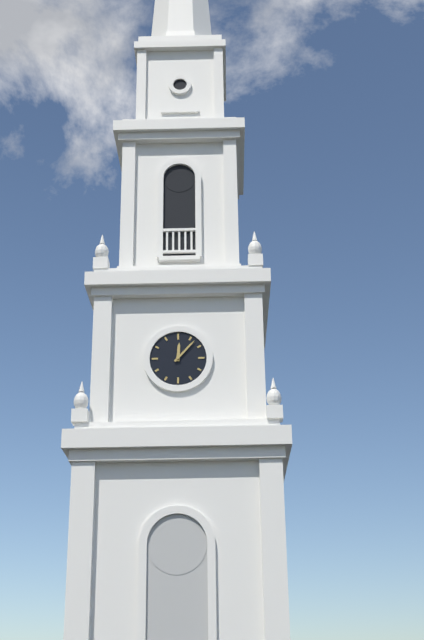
12:07
